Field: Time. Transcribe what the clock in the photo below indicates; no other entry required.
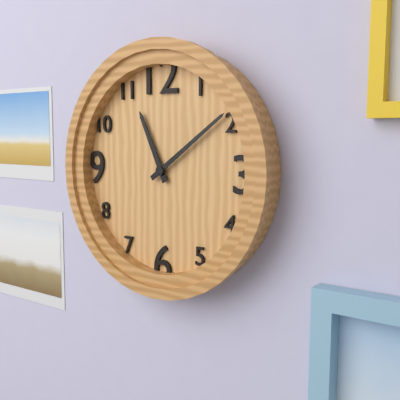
11:09
